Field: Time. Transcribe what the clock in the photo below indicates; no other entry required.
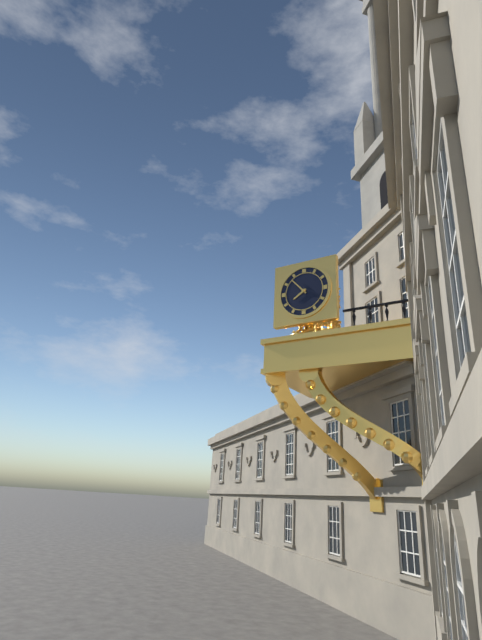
7:53
